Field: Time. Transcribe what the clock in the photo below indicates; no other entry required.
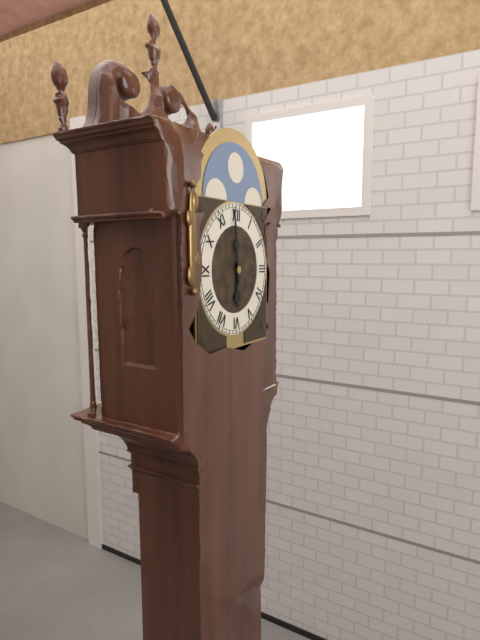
5:59
